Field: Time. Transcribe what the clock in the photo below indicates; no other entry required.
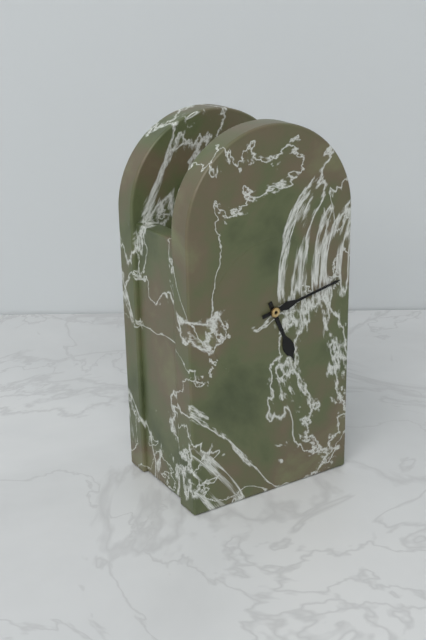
5:13
